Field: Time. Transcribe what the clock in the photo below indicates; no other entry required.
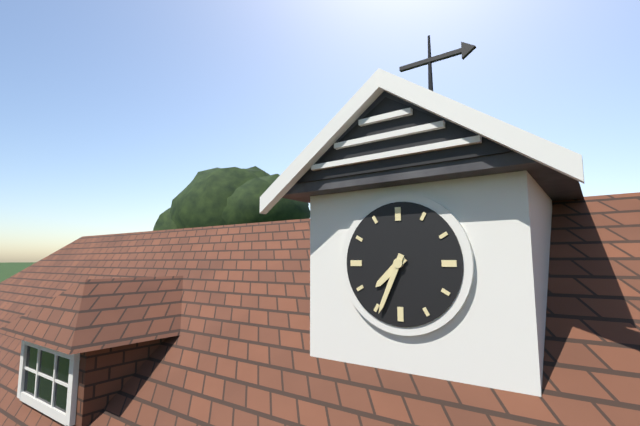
7:34
